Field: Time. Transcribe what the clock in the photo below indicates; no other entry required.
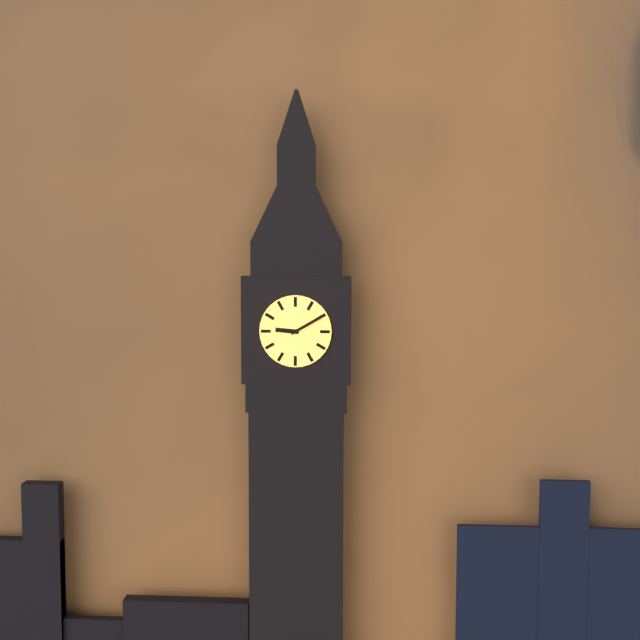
9:10
